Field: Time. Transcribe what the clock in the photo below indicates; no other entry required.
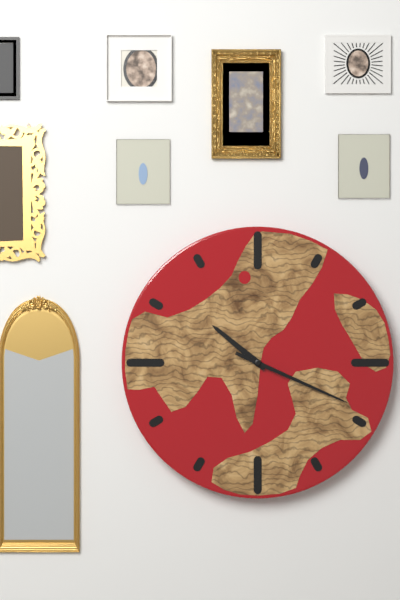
10:19
